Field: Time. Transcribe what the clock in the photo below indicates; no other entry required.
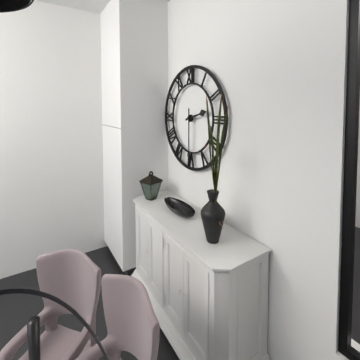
2:30
